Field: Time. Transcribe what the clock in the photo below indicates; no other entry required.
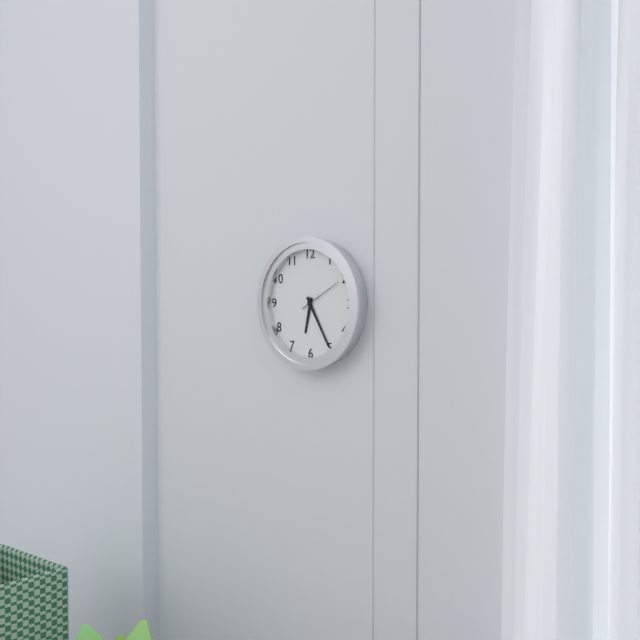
6:25
